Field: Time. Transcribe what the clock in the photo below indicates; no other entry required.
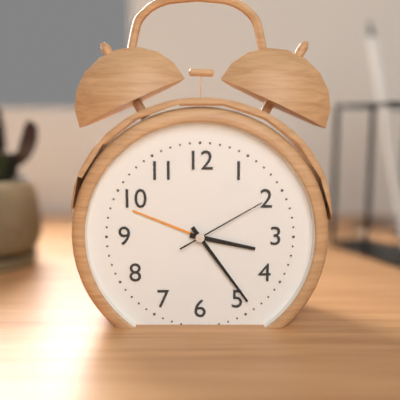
3:24:10
